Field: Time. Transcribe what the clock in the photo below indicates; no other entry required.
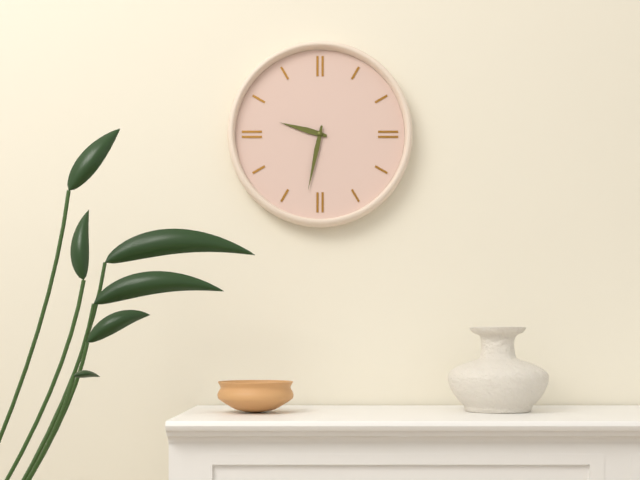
9:32
